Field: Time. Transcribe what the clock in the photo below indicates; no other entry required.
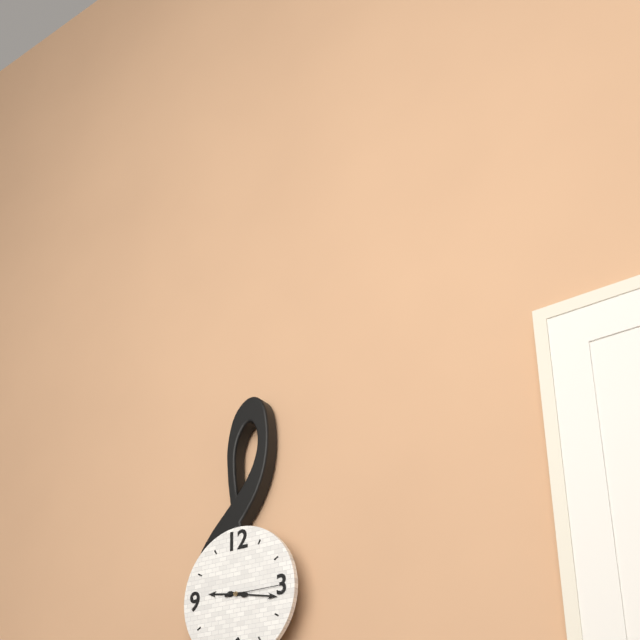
9:17:15
